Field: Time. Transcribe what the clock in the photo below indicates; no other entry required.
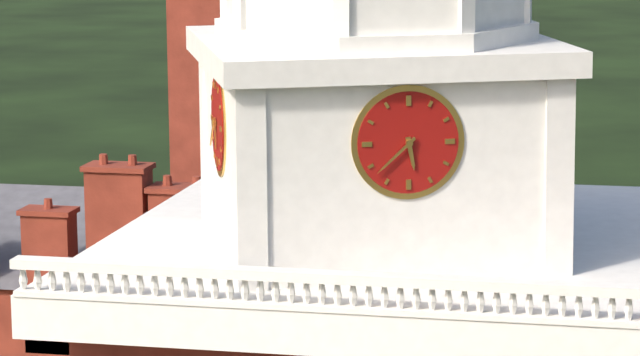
5:38
